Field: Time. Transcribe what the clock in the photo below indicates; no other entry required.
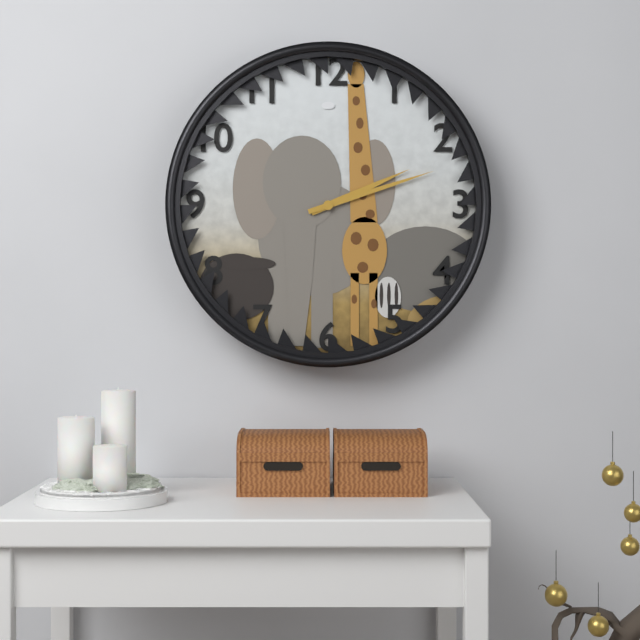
2:12
